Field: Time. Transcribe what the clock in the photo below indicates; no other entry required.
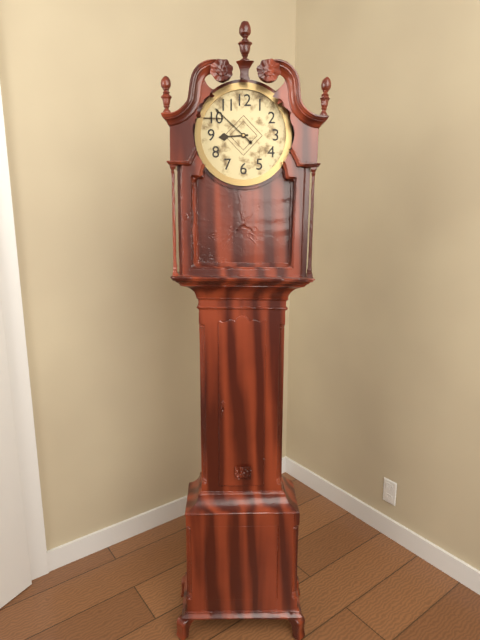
8:52
